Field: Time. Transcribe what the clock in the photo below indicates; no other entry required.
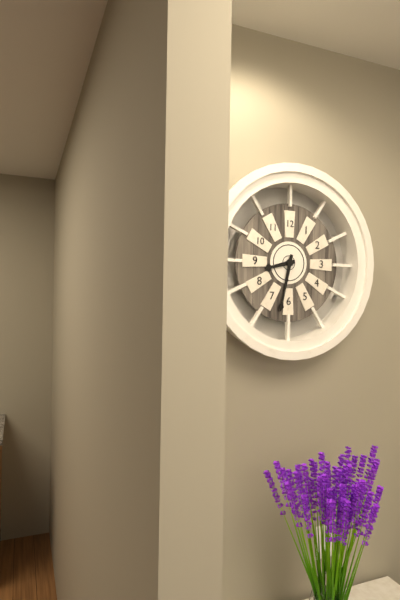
8:32
